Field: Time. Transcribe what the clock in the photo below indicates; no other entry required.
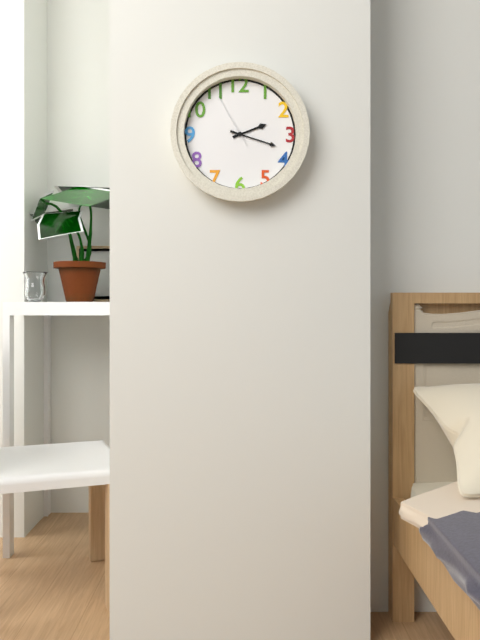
2:18:55
